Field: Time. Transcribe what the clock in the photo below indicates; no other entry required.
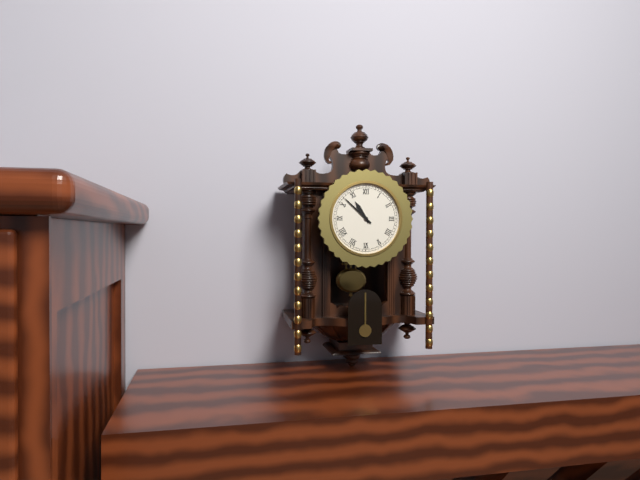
10:52
